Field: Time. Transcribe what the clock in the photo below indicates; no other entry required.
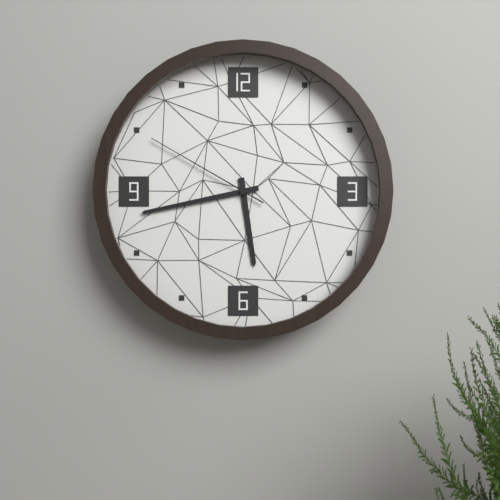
5:43:50
